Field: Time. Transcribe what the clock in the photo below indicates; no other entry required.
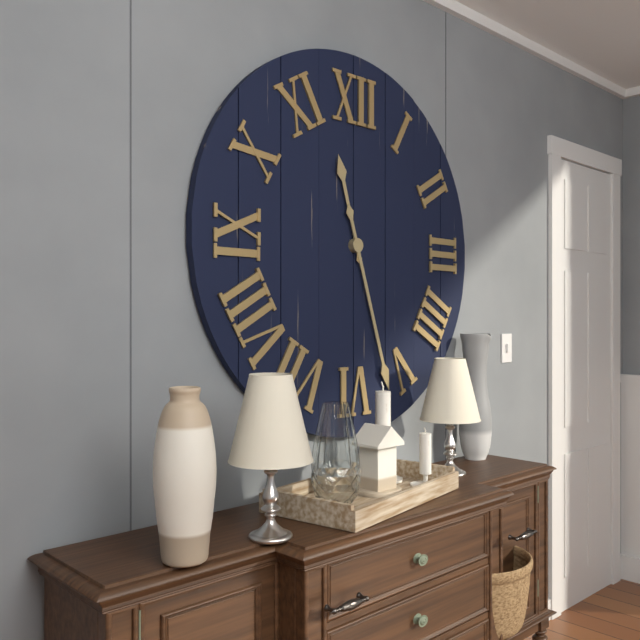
11:27
